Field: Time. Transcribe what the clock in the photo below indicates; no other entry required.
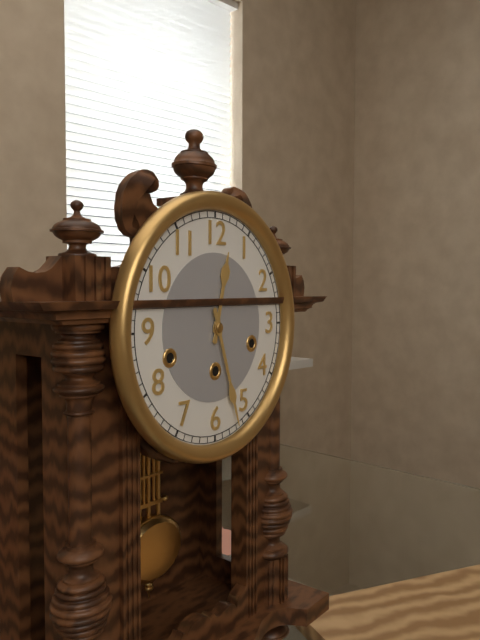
12:27
